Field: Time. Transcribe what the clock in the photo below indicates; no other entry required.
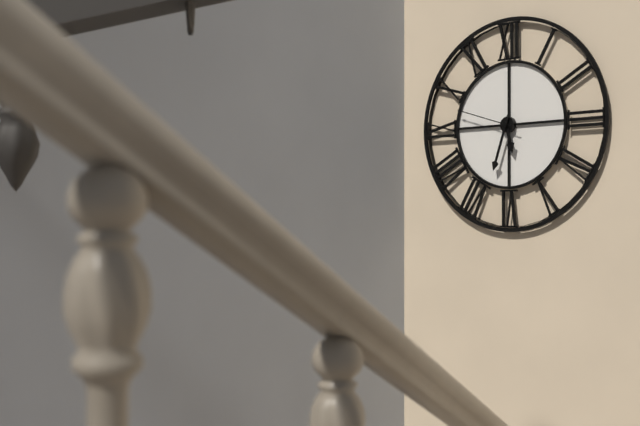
5:33:48
